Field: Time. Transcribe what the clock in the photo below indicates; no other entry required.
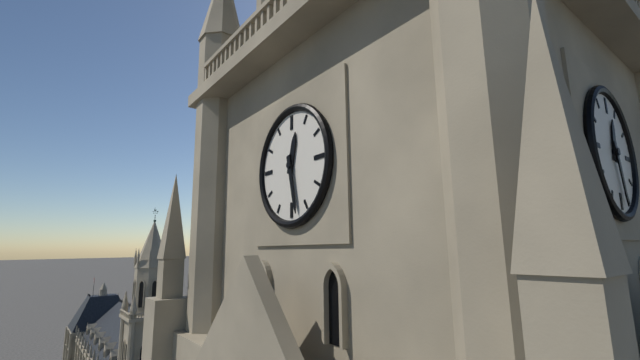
12:28
